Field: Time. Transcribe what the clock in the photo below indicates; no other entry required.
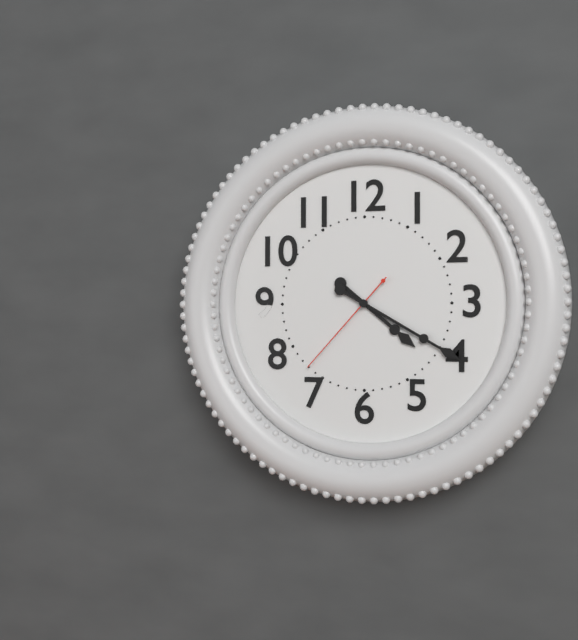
4:20:37
